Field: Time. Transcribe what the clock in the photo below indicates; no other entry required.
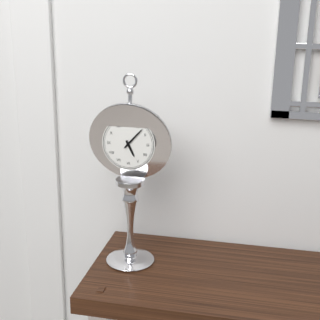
5:07
